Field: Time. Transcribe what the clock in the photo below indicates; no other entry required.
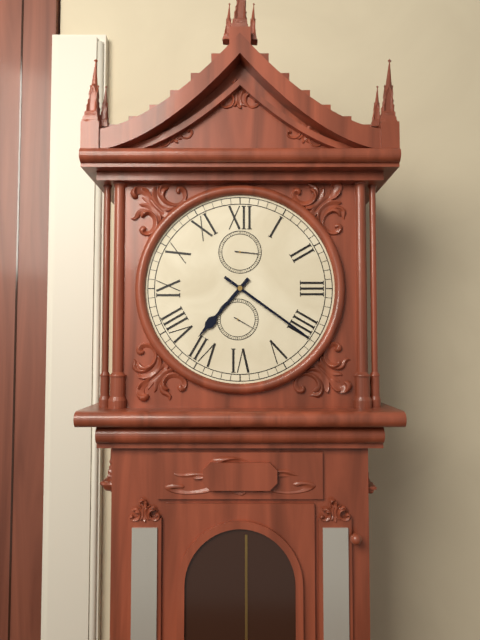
7:21
